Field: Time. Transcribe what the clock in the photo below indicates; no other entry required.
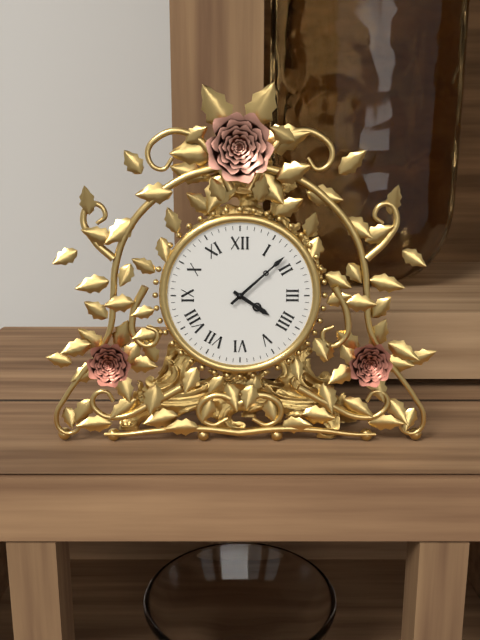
4:08
